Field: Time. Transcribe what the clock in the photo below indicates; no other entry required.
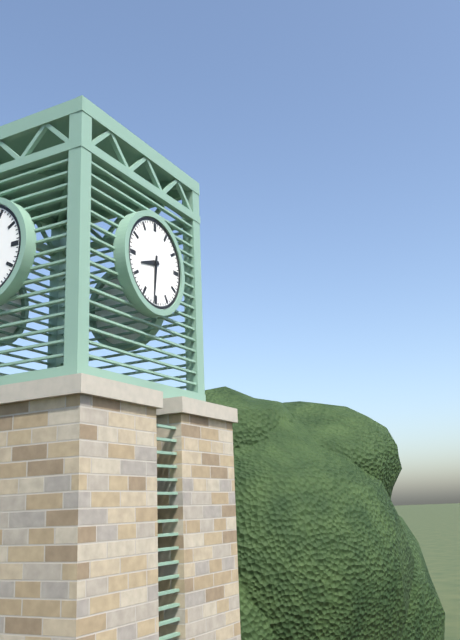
8:31
